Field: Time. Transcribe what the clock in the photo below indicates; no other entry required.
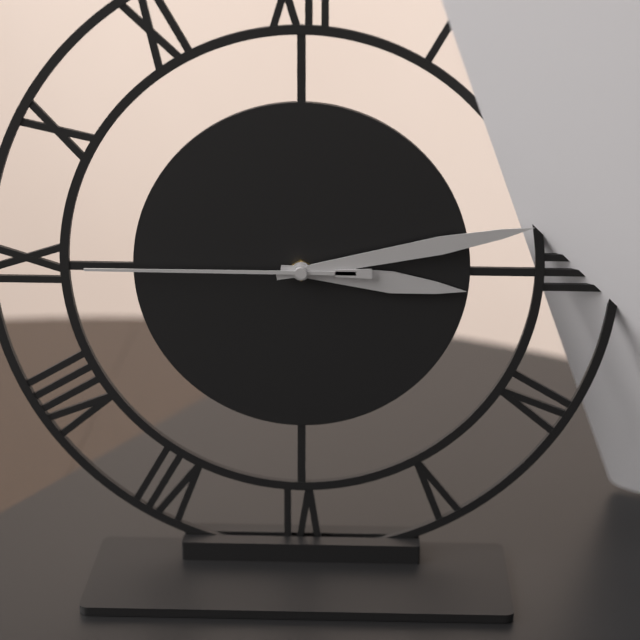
3:13:45
